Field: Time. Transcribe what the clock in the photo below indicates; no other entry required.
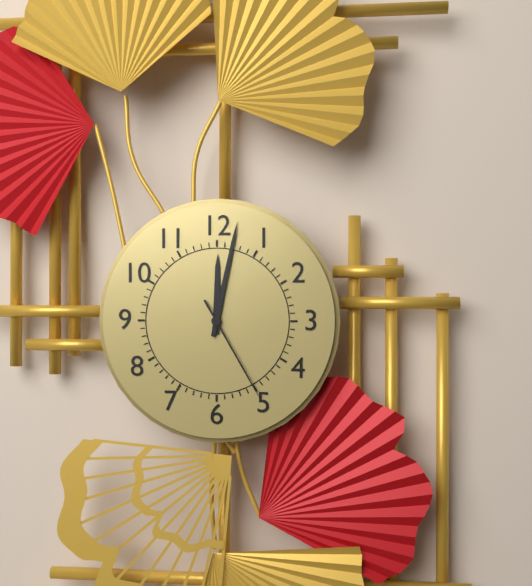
12:02:25
